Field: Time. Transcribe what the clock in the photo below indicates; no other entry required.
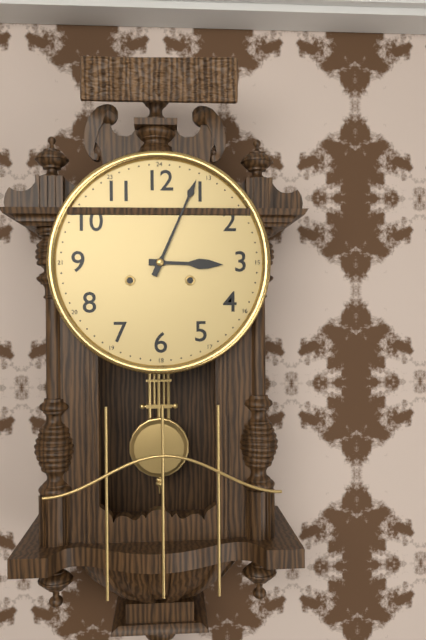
3:04
